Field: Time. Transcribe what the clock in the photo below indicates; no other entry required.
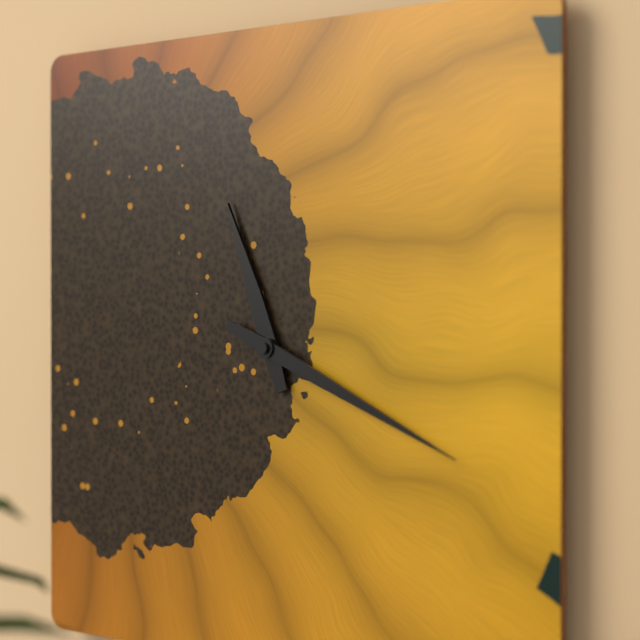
11:19
